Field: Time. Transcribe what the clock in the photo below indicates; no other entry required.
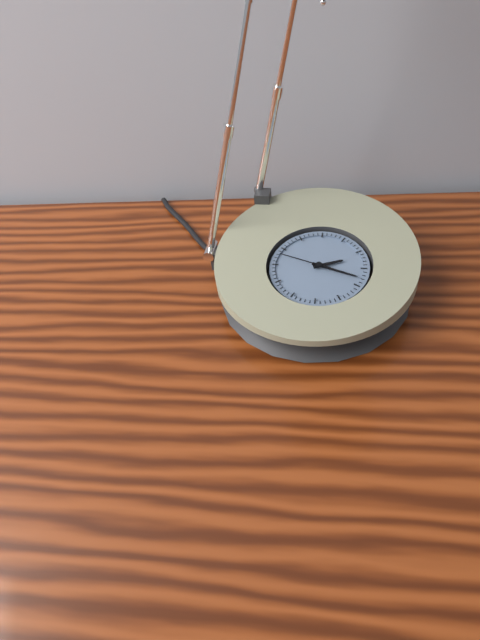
2:18:48
